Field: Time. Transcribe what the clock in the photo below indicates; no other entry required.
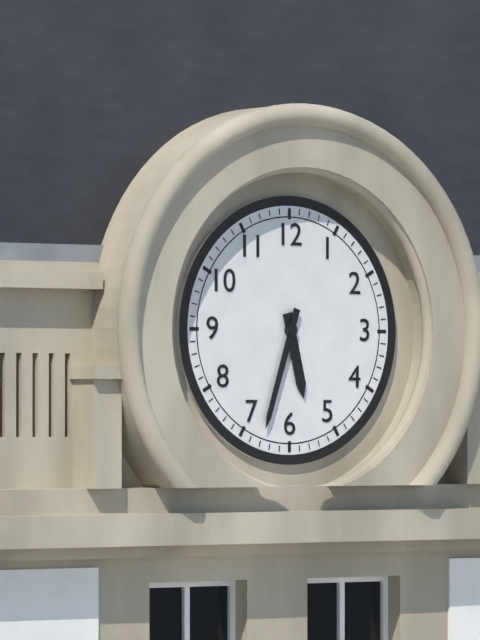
5:33
